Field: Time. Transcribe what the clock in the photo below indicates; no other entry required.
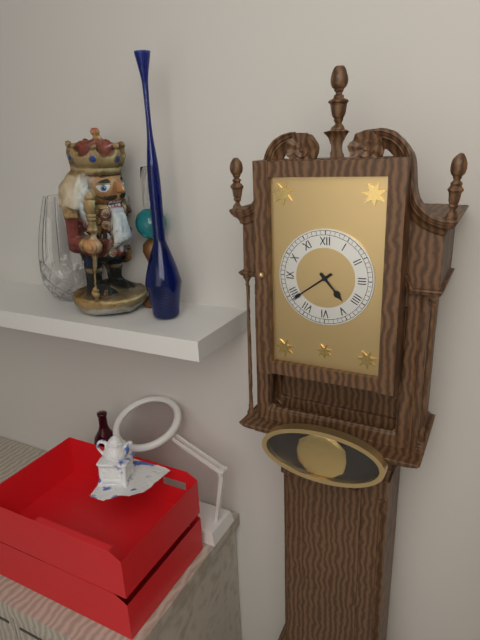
4:39
